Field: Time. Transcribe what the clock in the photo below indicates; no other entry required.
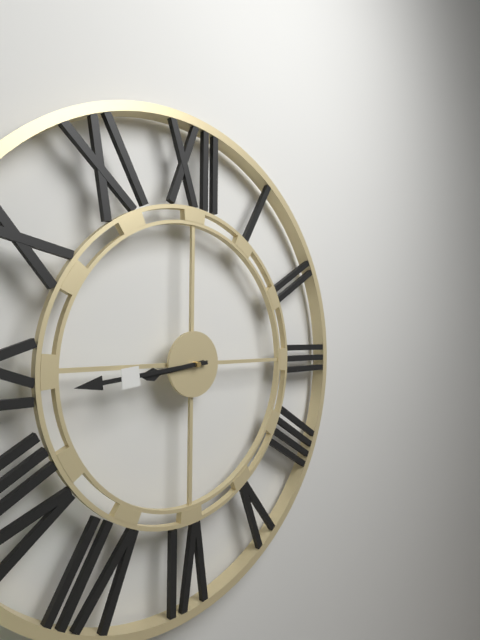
8:44
